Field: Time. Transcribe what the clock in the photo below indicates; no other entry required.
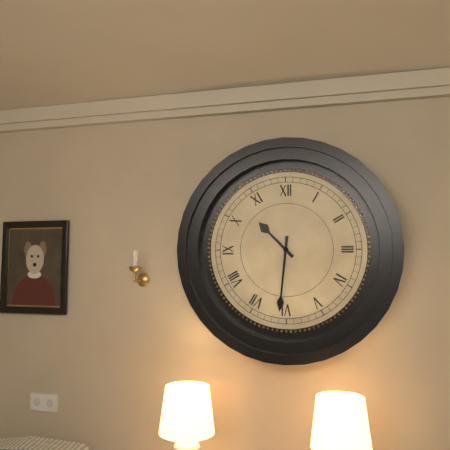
10:31
